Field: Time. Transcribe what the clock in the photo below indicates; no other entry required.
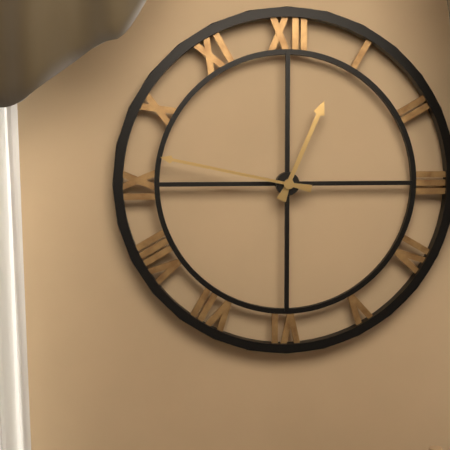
12:47
